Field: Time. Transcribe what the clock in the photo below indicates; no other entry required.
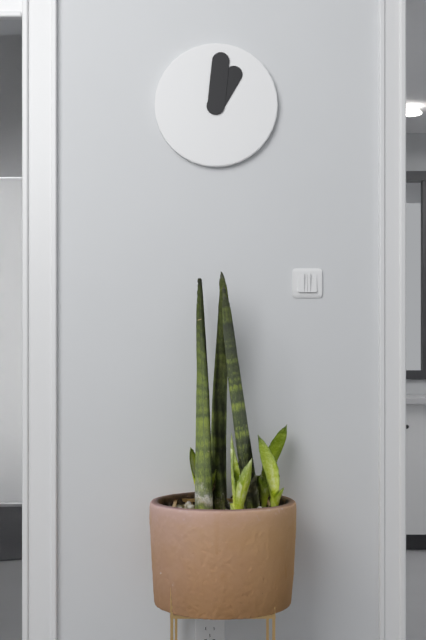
1:01
